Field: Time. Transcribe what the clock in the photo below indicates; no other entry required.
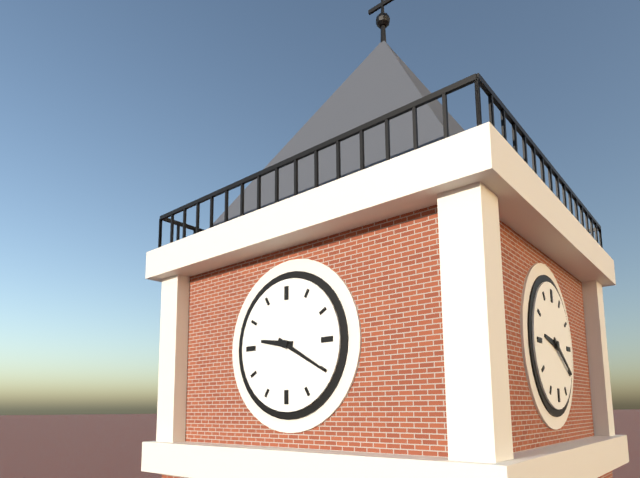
9:20
